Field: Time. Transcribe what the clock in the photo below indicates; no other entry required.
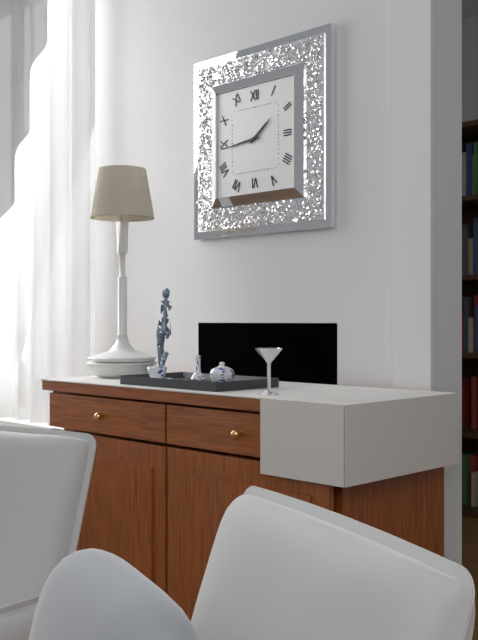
1:44
